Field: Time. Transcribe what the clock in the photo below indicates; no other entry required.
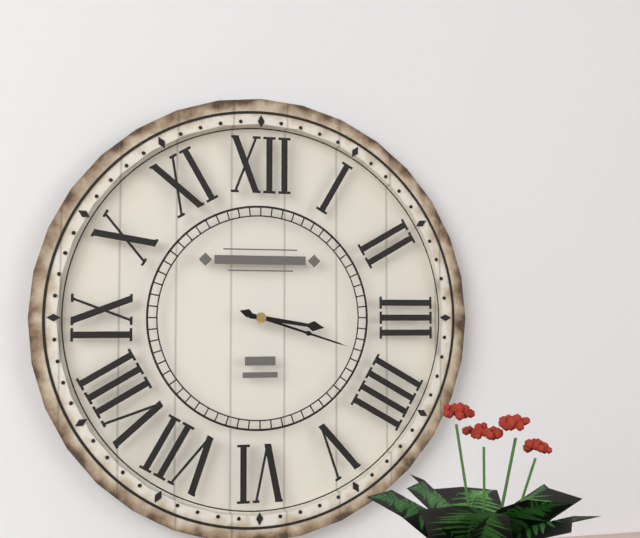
3:18
